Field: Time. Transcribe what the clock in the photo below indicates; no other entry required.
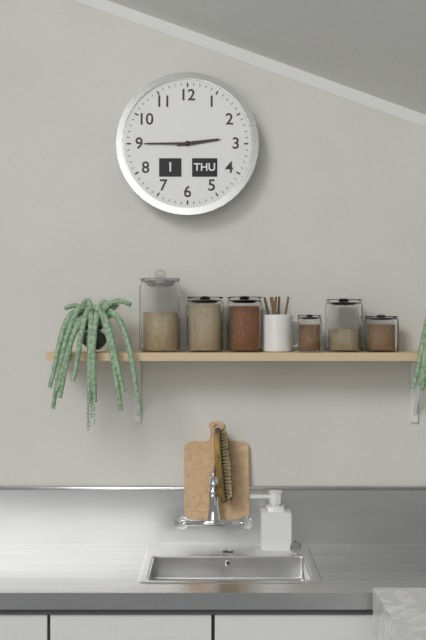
2:45
